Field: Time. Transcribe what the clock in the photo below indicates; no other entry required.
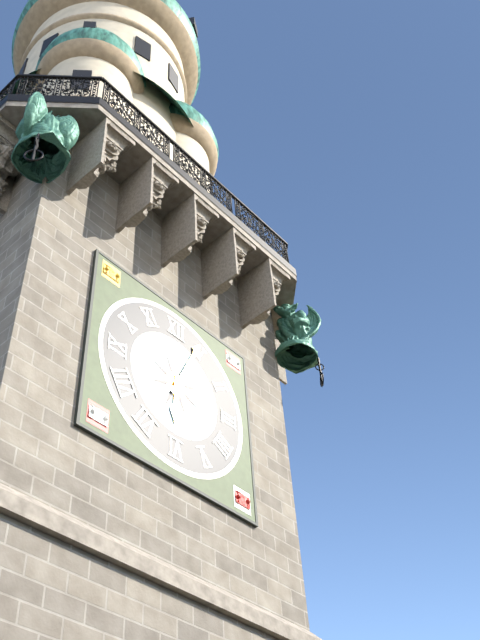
6:04
